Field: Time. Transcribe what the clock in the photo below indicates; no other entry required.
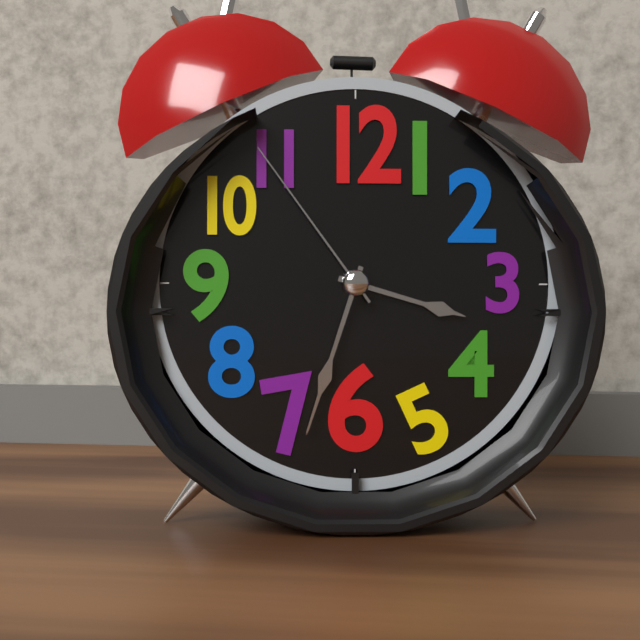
3:33:54
